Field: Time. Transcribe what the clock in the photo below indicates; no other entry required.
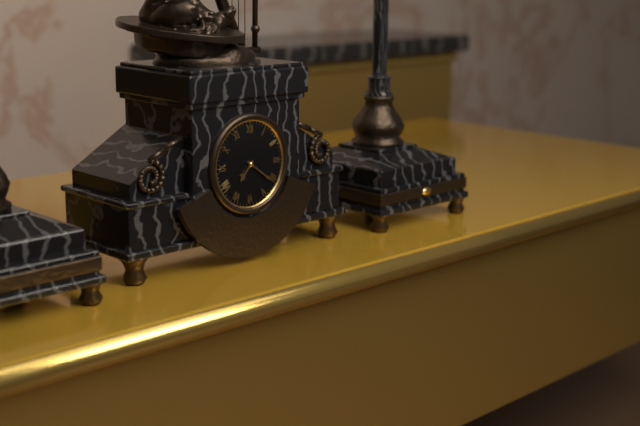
7:21
